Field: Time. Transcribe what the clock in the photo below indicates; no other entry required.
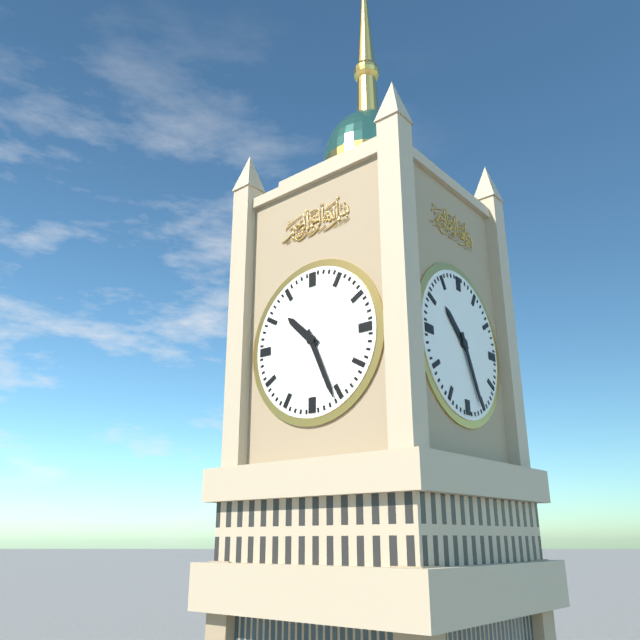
10:26
